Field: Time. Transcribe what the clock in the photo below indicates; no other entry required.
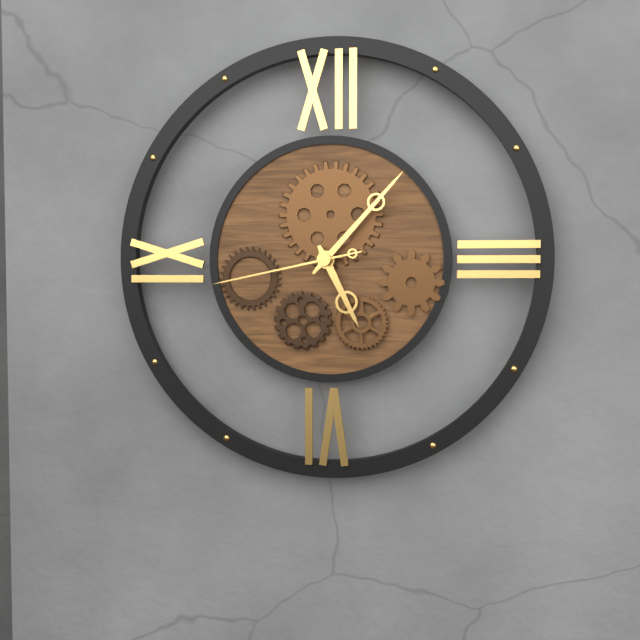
5:07:43
